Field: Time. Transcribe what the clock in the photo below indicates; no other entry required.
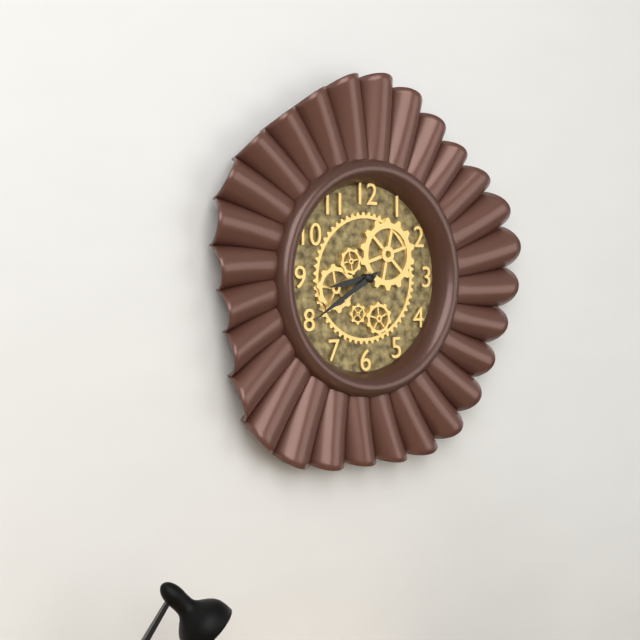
8:40
